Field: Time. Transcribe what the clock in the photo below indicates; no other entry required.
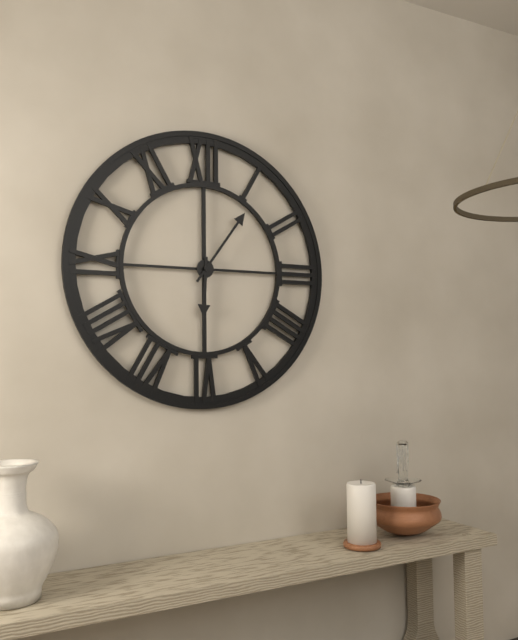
6:06
